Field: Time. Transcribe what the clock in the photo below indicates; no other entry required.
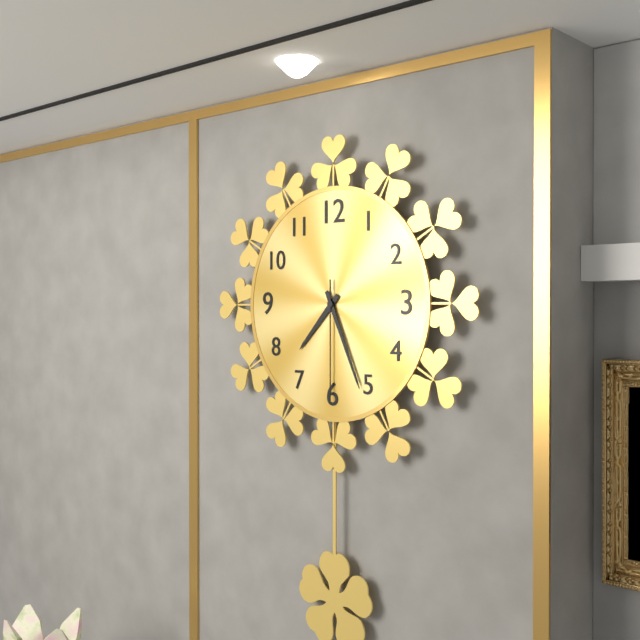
7:26:30
